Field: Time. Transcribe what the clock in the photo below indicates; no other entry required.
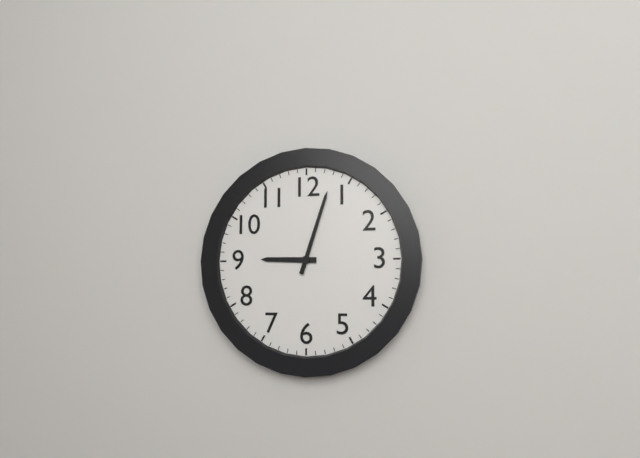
9:03
